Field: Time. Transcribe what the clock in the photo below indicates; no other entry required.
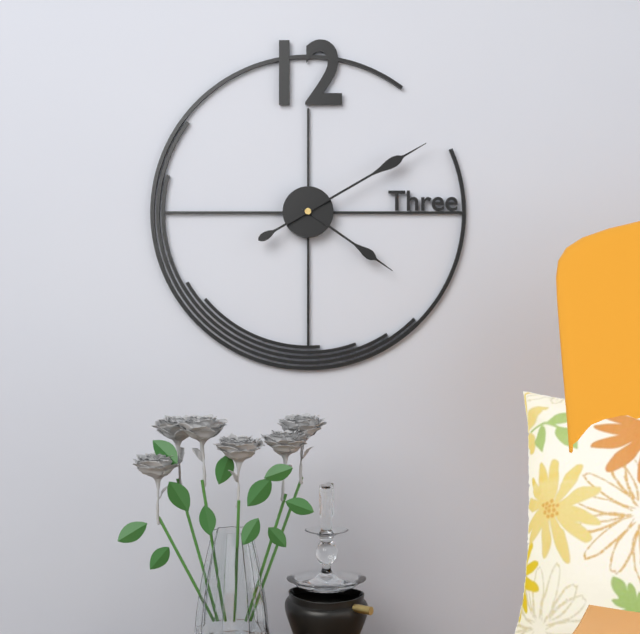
4:10
